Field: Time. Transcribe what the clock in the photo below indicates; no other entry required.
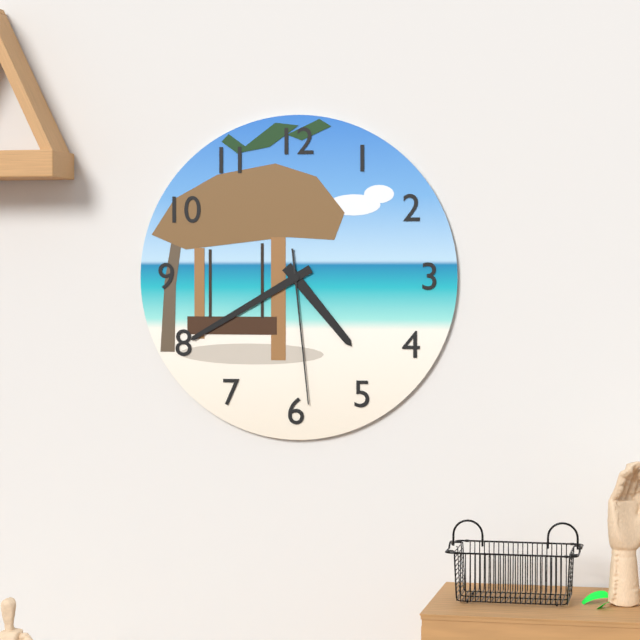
4:40:29
